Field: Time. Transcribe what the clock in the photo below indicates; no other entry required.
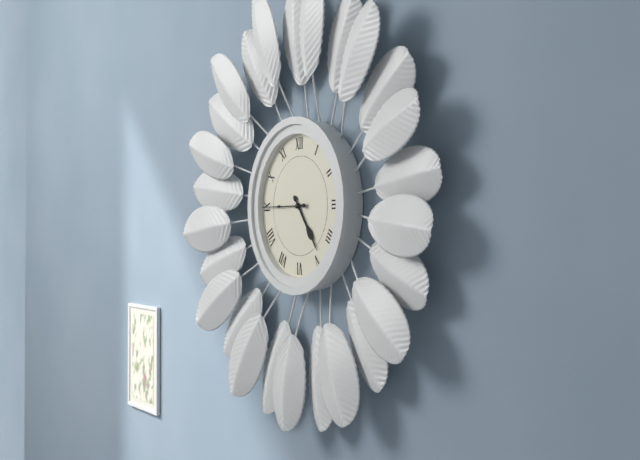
4:45
